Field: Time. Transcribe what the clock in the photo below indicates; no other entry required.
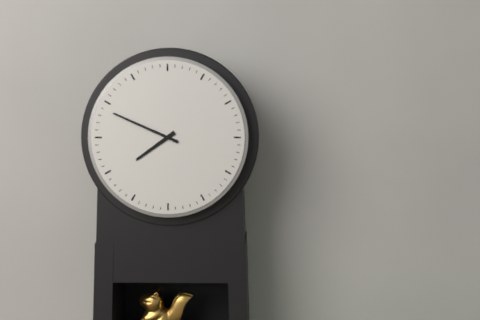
7:49
